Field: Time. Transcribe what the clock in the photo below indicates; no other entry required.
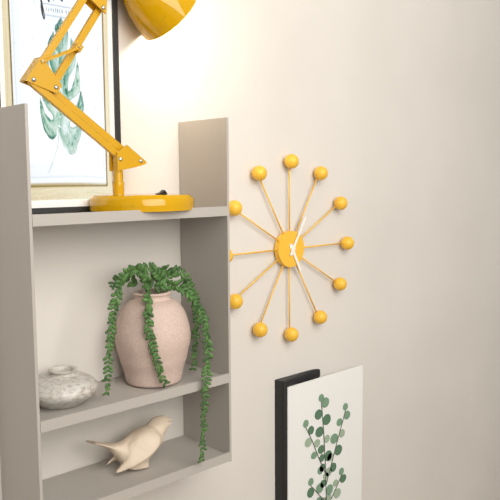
5:05
